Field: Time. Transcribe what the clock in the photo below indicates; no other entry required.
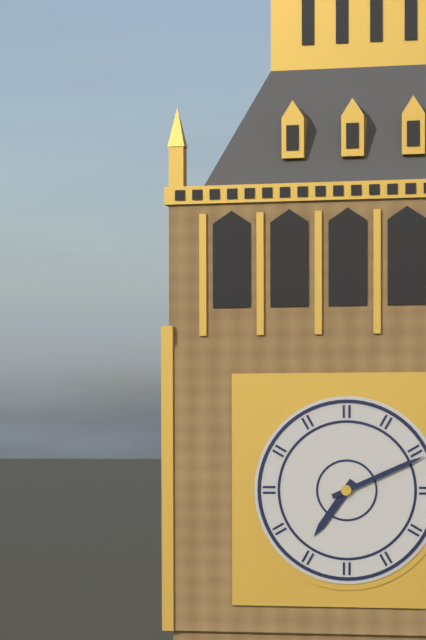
7:11
